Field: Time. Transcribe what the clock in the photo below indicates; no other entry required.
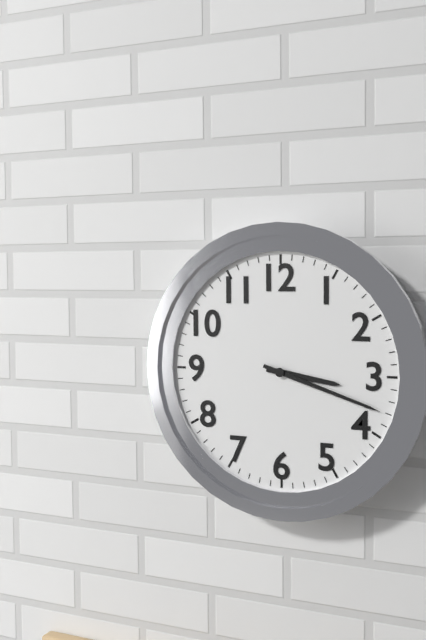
3:18
